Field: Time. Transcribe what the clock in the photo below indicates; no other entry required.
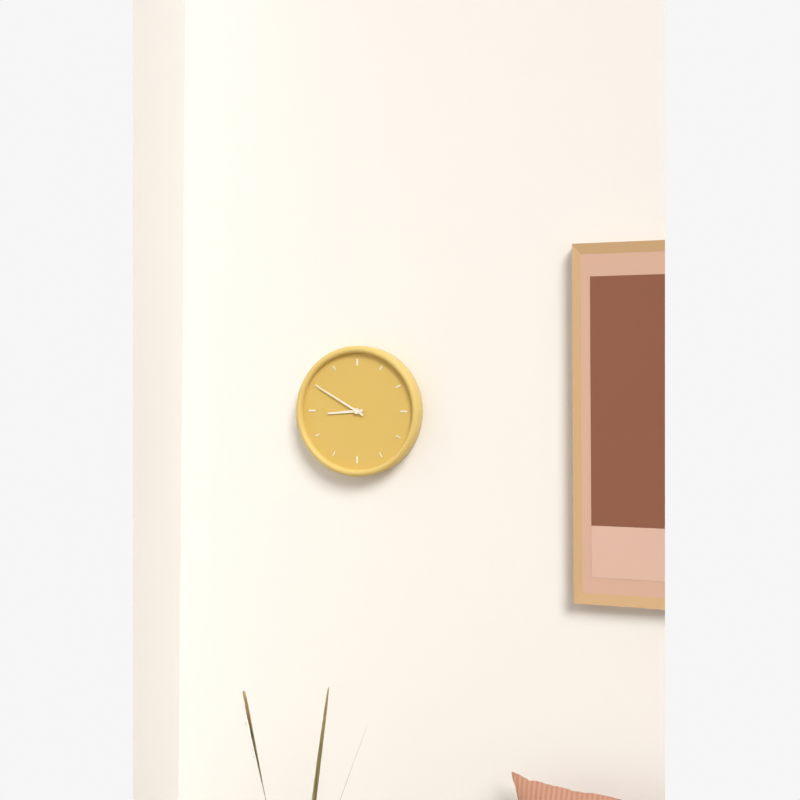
8:50
